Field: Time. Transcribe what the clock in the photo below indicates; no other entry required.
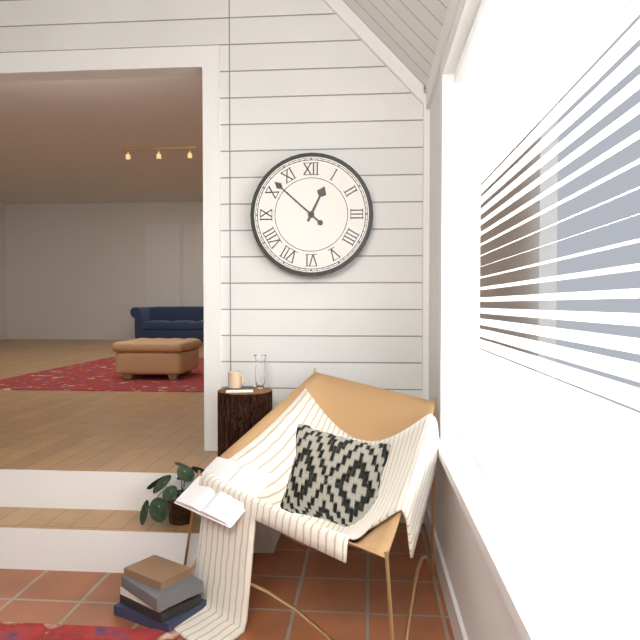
12:52
